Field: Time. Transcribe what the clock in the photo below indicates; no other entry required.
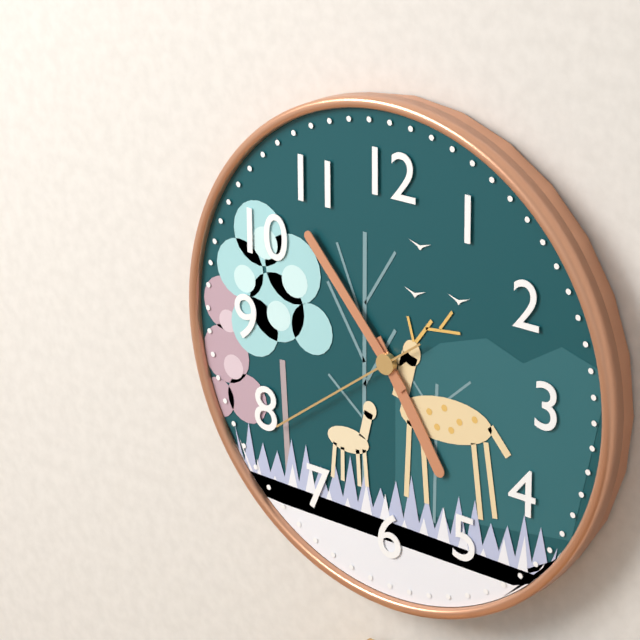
4:53:39
